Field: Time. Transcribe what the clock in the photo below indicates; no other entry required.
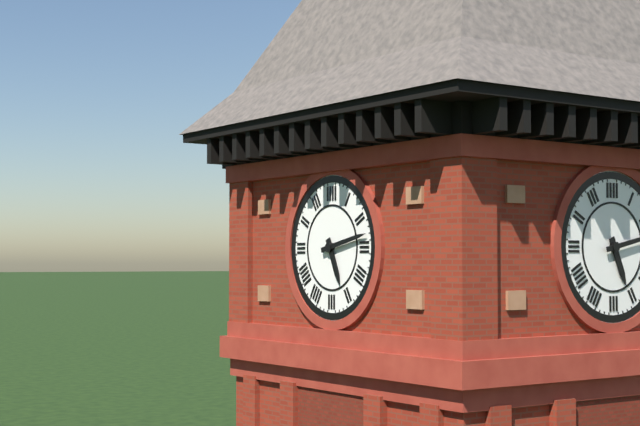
5:13
